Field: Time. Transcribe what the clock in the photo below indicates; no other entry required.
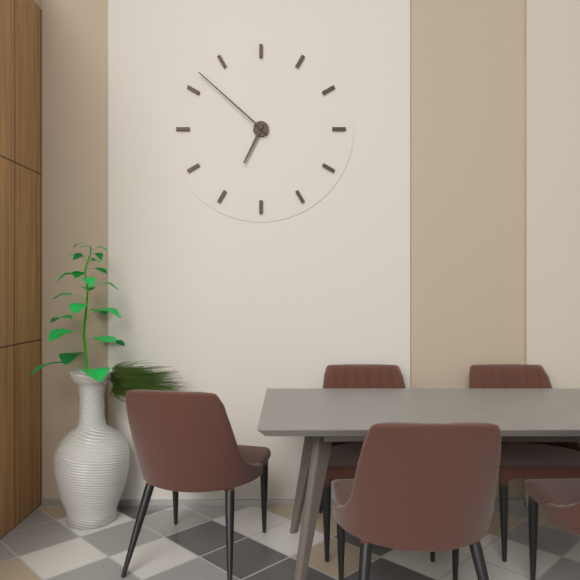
6:52
